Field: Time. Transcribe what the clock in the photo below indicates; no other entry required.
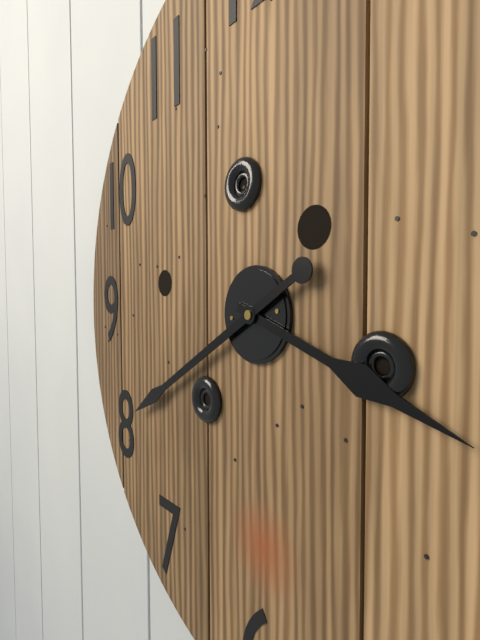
3:40
